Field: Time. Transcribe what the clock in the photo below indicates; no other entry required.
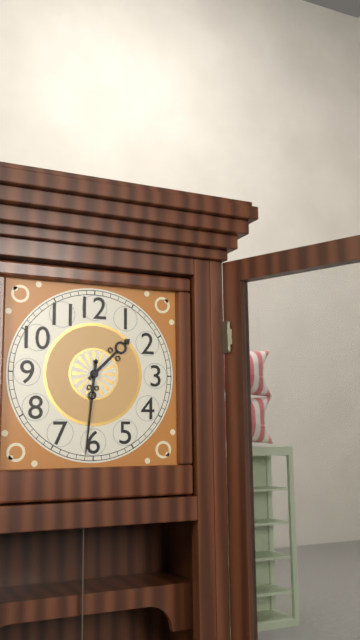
1:31
